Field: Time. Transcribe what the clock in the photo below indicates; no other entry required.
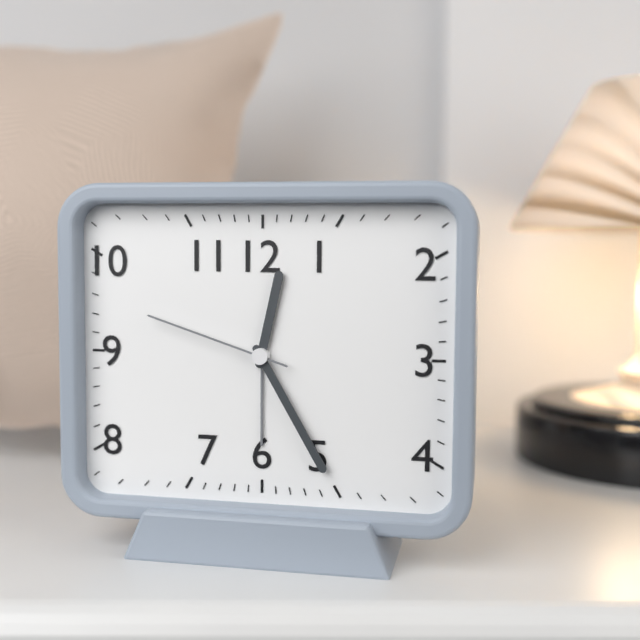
12:25:48
